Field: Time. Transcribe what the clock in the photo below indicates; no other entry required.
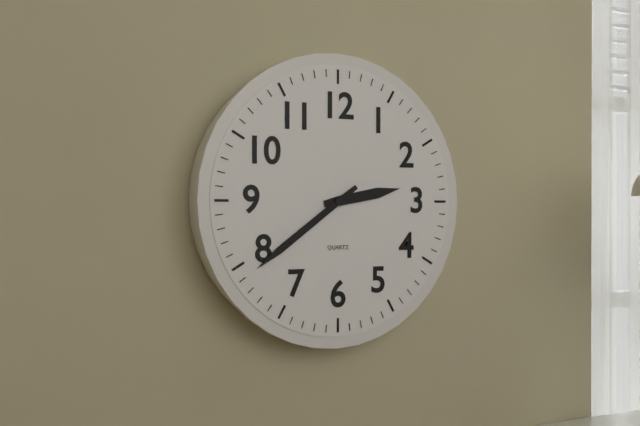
2:39
